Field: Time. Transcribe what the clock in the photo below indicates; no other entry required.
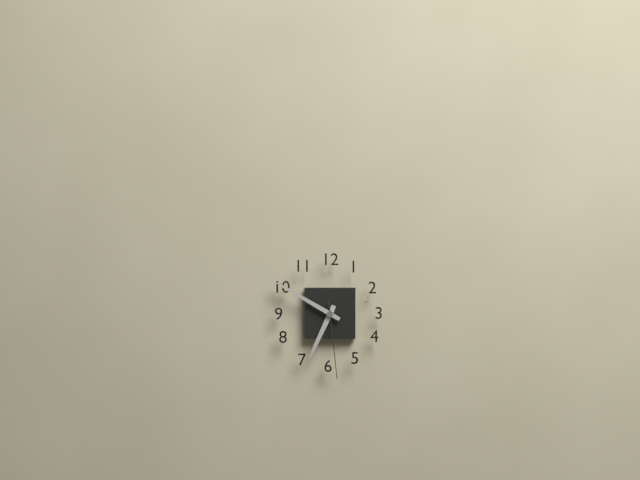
6:50:29
